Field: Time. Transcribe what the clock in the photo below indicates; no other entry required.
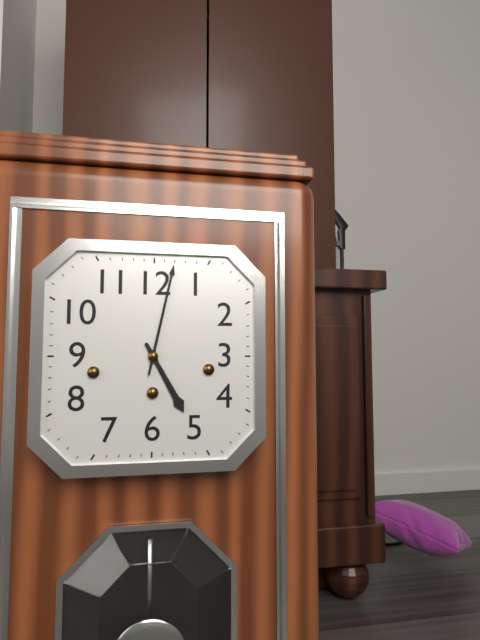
5:02
